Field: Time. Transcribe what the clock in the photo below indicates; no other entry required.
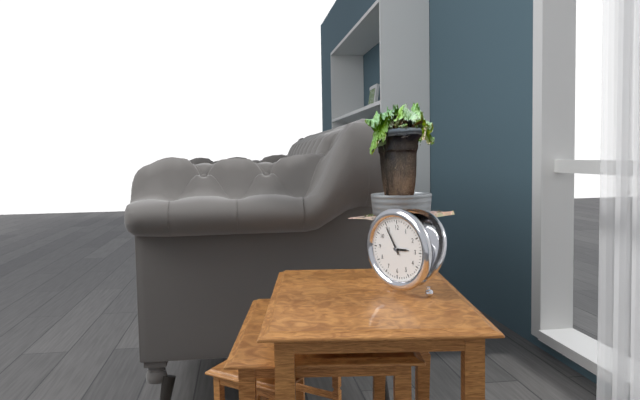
2:54
